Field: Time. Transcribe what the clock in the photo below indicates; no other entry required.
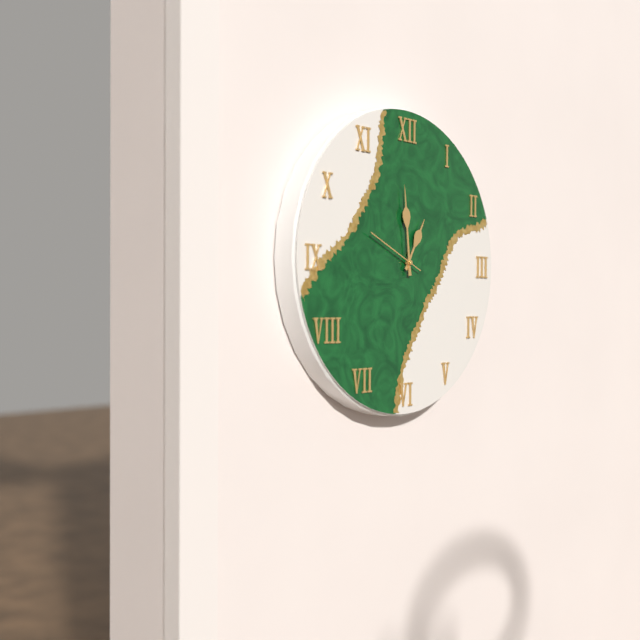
12:59:49
